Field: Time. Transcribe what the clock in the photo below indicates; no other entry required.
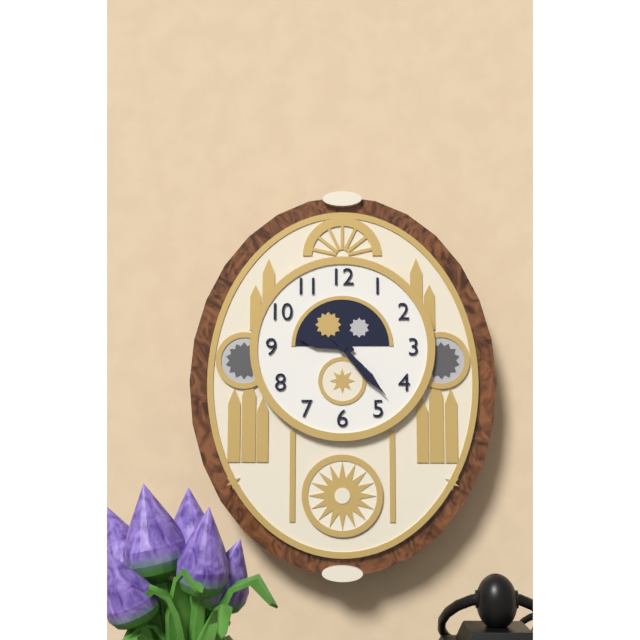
9:23
